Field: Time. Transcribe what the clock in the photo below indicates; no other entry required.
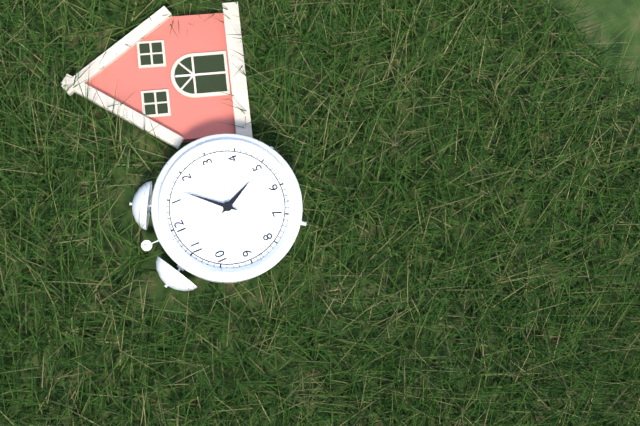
5:07
